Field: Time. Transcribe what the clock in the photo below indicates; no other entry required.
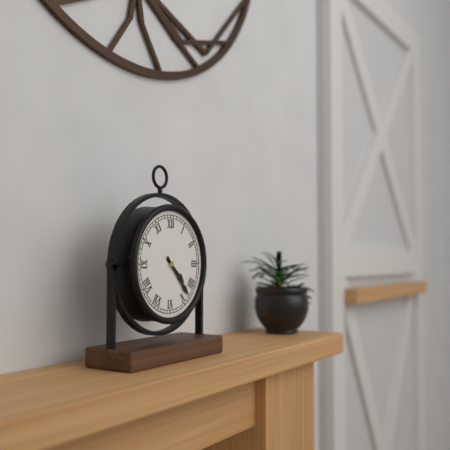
4:23
